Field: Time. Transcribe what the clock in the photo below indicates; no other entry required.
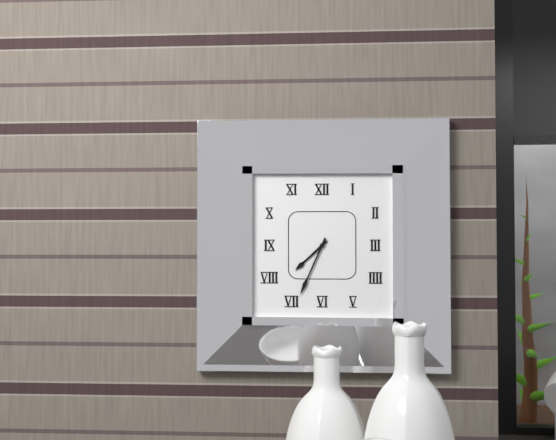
7:34
